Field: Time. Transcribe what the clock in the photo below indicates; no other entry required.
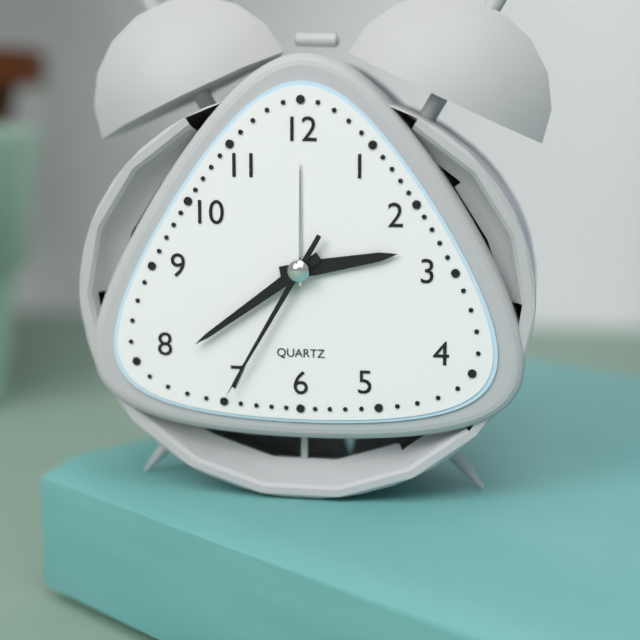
2:39:35
